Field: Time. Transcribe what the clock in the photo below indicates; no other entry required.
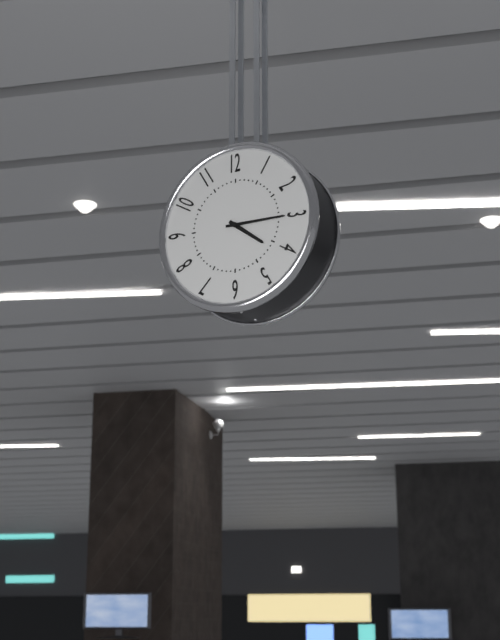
4:15
